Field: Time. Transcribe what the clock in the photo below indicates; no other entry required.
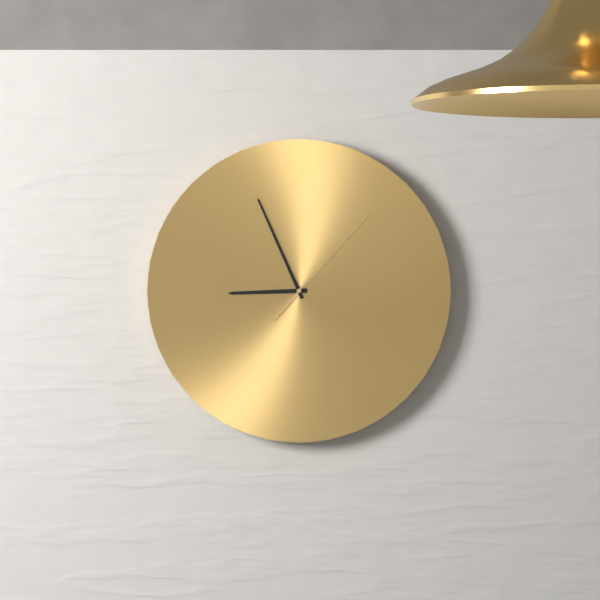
8:56:07
